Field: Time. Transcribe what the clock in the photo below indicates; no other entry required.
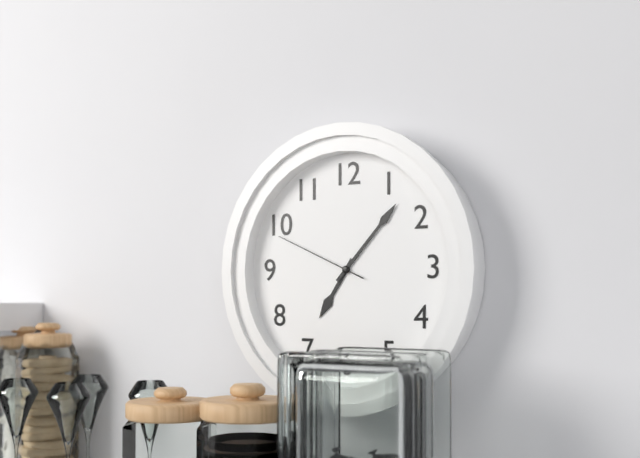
7:07:49
